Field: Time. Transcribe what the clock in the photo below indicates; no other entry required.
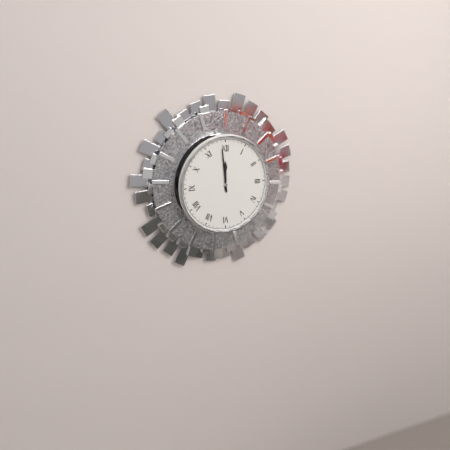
11:59
